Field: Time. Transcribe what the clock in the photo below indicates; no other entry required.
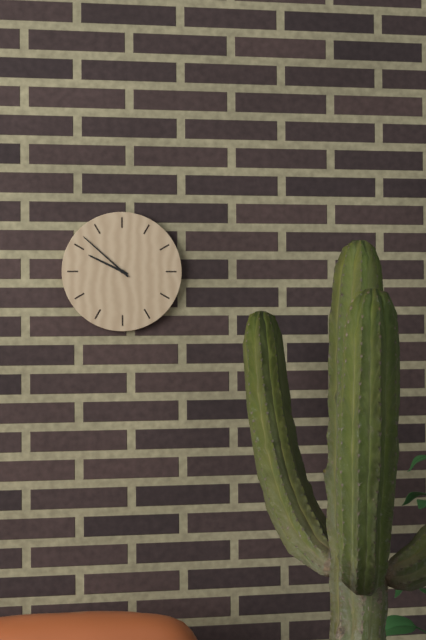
9:52
